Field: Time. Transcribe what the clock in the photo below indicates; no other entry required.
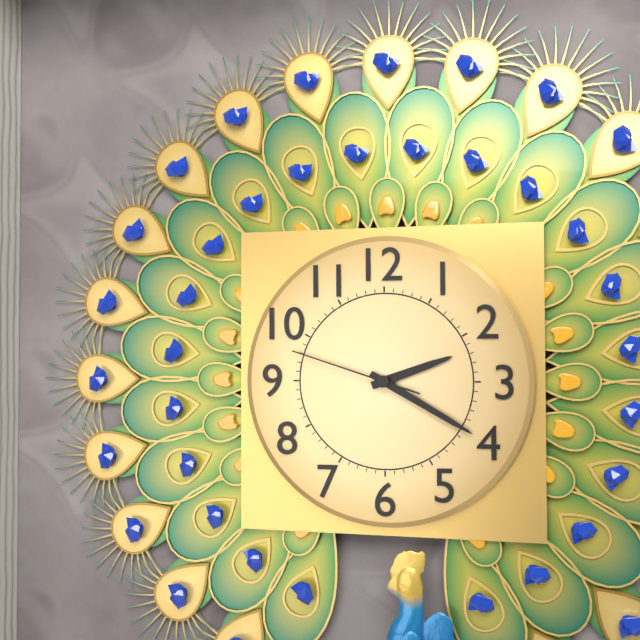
2:20:48
